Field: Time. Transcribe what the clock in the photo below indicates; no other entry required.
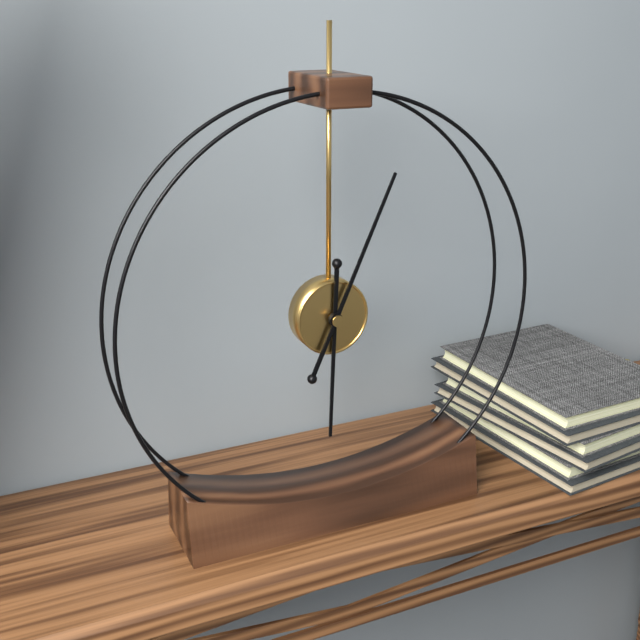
6:04
